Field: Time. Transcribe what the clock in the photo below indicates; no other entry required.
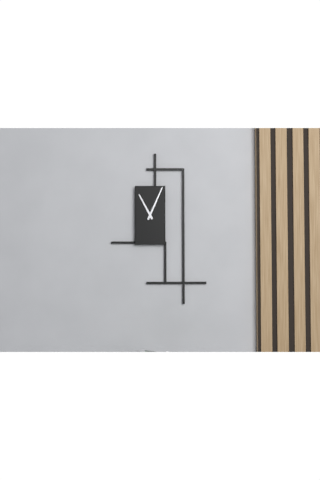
11:04
